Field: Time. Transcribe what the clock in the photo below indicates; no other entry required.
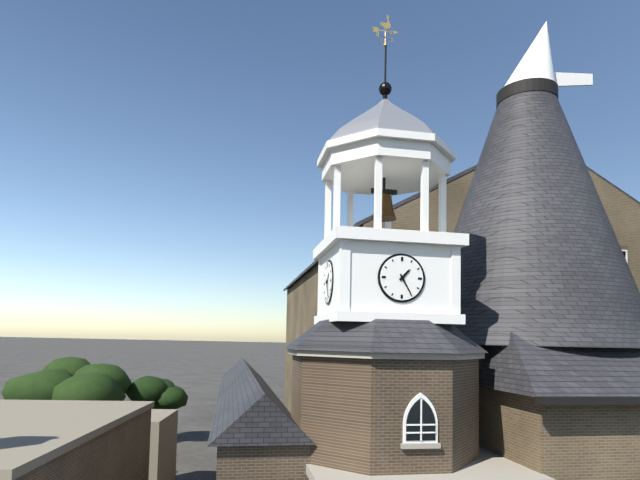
1:25
